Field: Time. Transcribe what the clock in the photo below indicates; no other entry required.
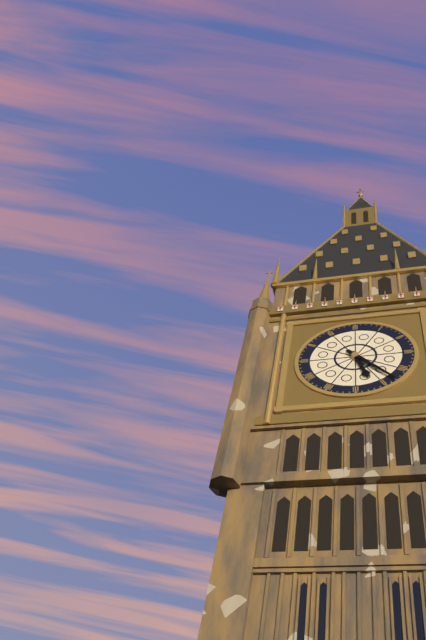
5:23
